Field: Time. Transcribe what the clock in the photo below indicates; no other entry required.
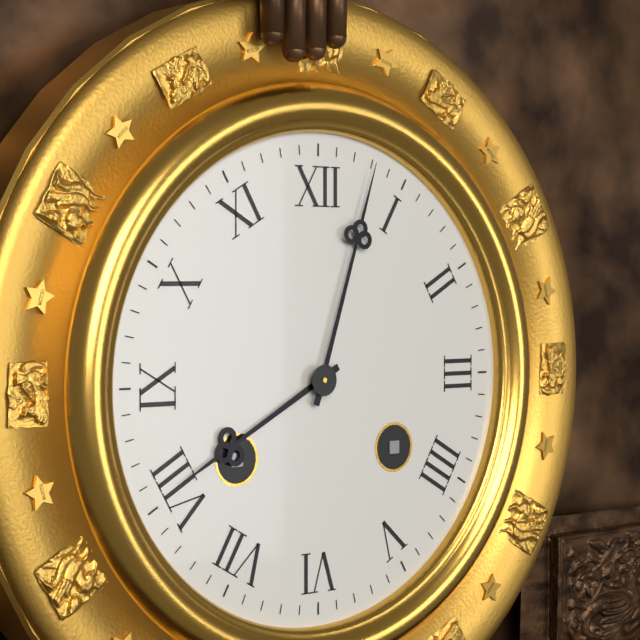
8:03
